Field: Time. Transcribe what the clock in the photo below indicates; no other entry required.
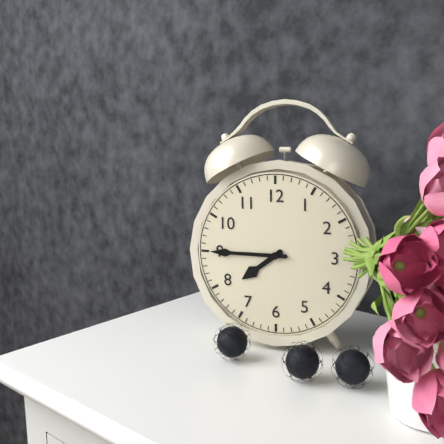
7:45
